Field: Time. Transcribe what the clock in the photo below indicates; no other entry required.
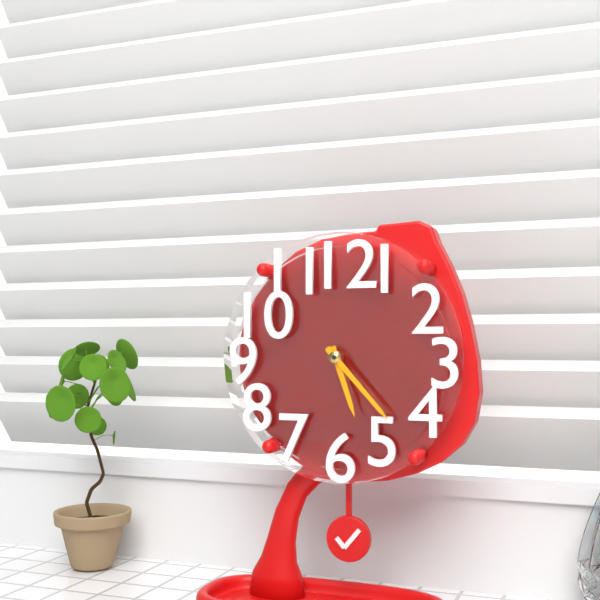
5:23
